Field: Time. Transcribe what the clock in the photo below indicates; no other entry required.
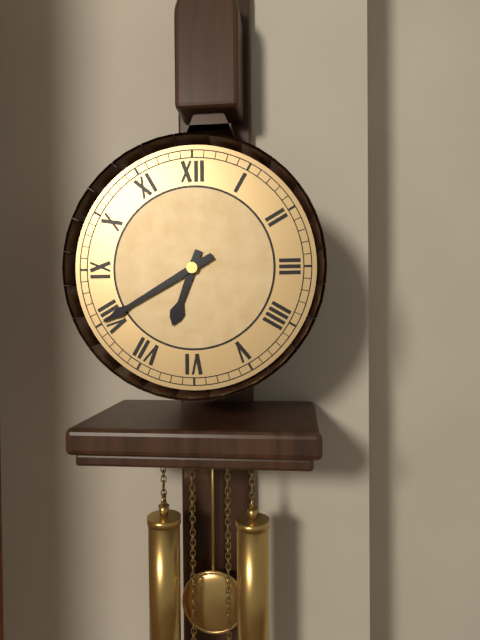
6:40
